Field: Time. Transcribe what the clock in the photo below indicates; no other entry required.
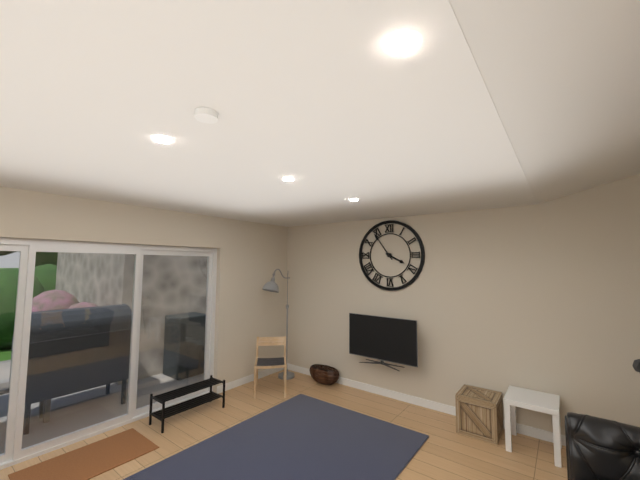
3:54
